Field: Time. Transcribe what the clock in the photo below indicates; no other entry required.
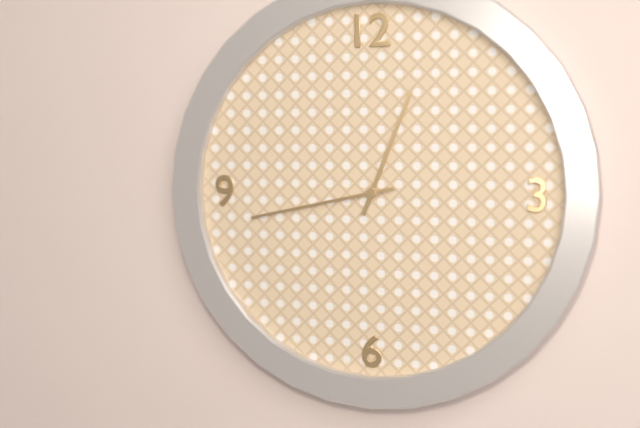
12:43
